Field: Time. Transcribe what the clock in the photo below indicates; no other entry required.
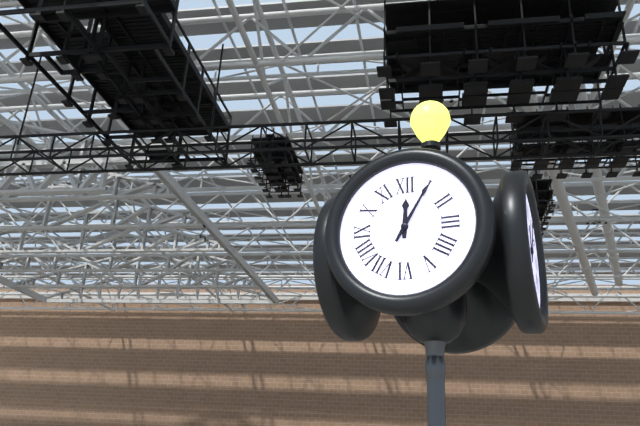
12:05
